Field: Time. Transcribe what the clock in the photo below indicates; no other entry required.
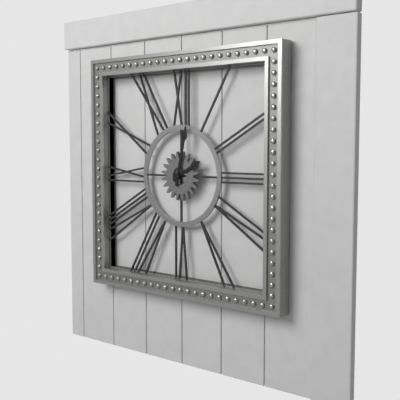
2:02
